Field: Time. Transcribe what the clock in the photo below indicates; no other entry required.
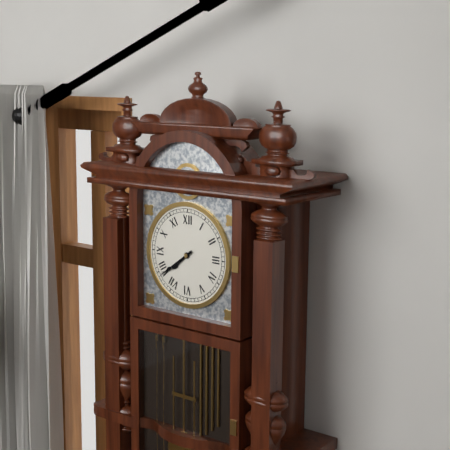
7:39
